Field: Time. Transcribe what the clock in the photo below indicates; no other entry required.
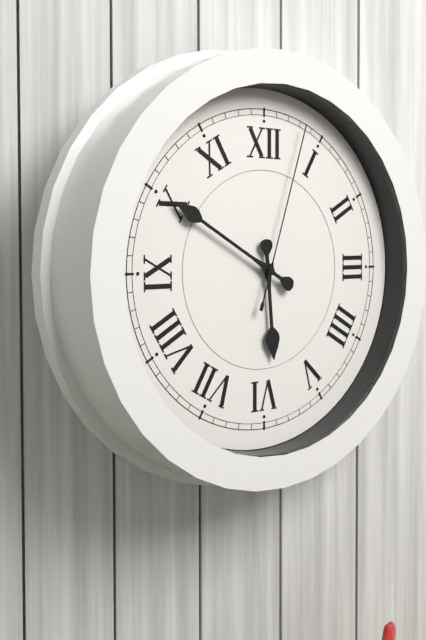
5:50:03
